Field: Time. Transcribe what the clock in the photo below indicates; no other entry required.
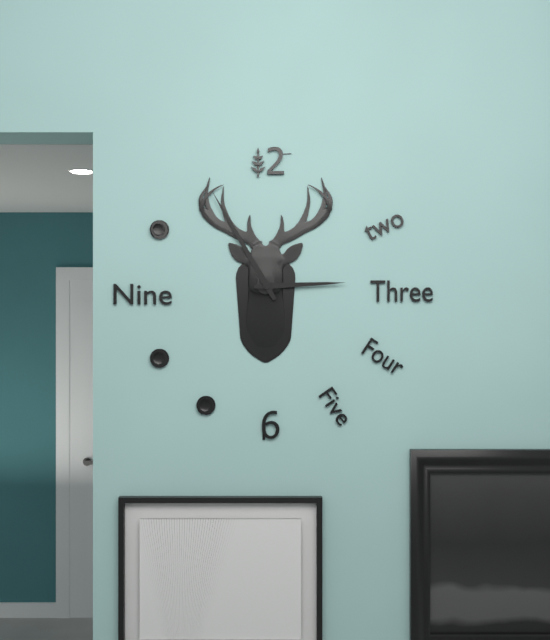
2:55
